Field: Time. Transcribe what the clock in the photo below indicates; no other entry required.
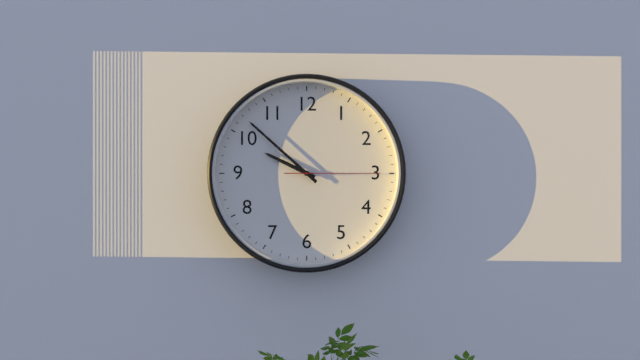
9:52:15
